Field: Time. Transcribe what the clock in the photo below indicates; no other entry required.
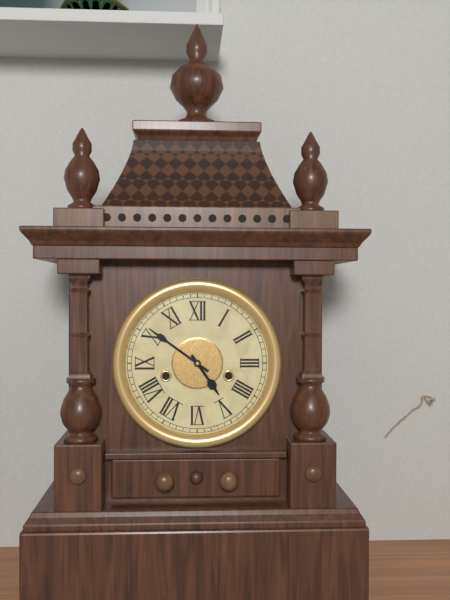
4:51
